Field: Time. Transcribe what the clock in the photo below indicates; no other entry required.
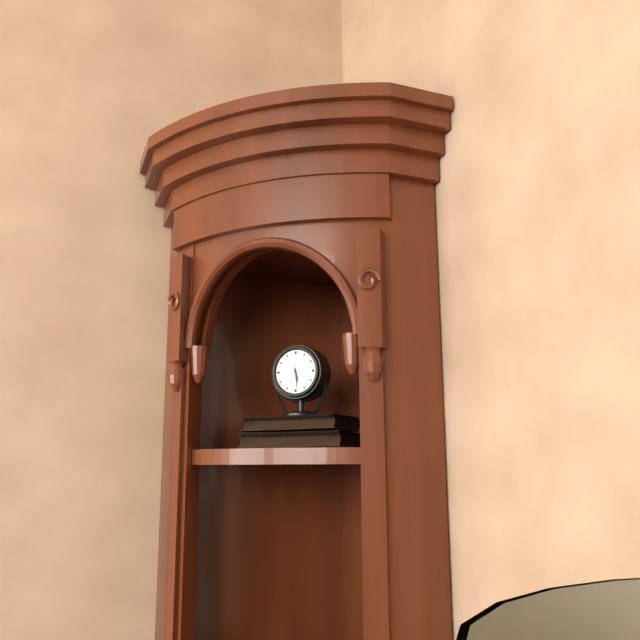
5:29
